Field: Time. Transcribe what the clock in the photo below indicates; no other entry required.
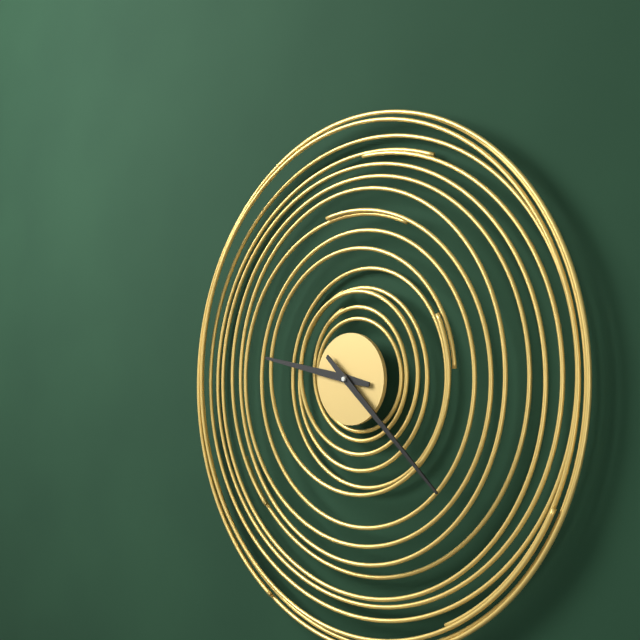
9:22
